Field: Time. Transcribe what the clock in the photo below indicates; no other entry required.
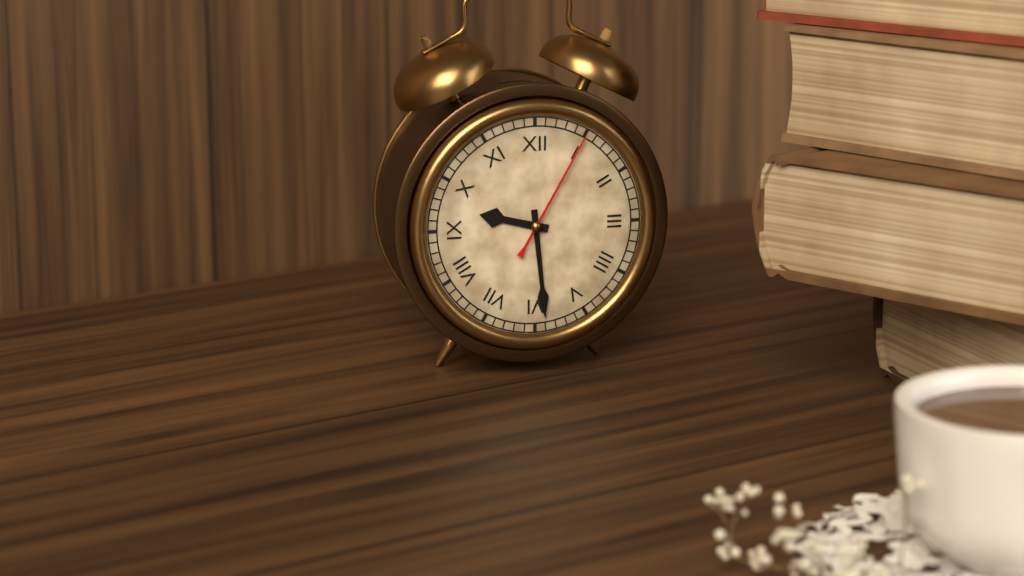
9:29:05
